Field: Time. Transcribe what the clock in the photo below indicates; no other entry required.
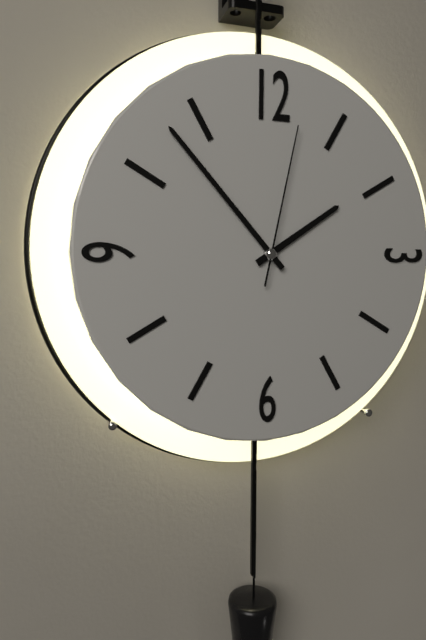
1:53:02
